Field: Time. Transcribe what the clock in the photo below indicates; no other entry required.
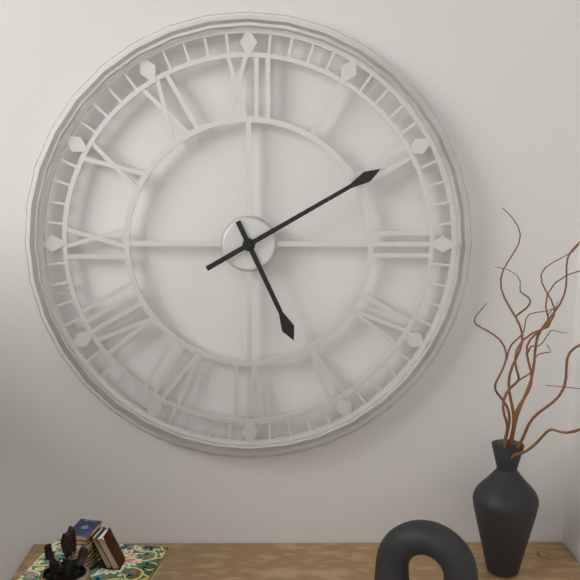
5:10
